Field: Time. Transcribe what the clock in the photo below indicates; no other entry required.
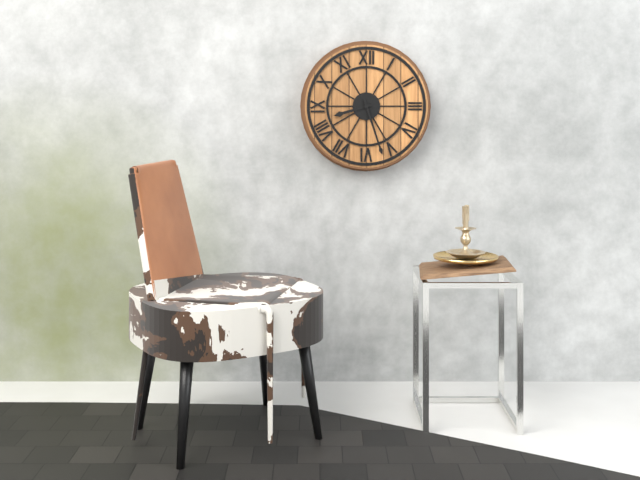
8:27
